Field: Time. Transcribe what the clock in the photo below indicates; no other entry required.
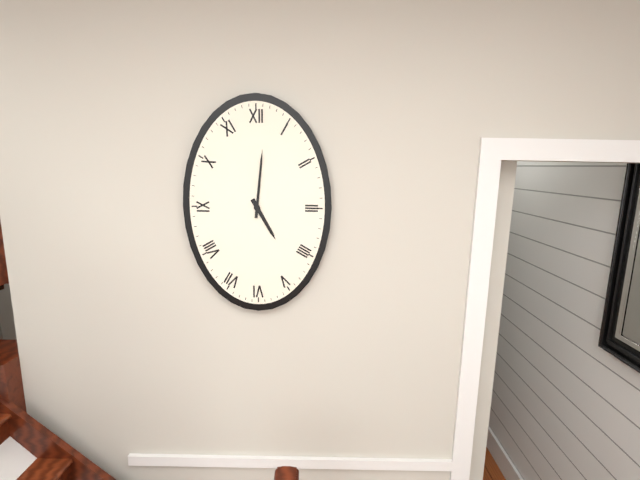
5:01
